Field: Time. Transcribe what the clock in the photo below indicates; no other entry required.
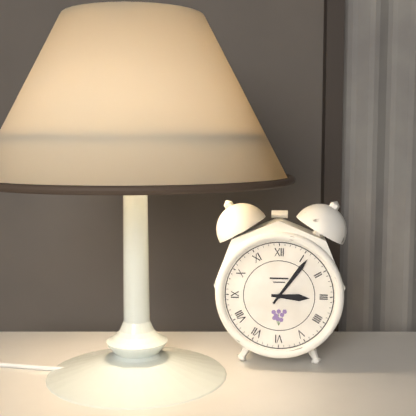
3:06
